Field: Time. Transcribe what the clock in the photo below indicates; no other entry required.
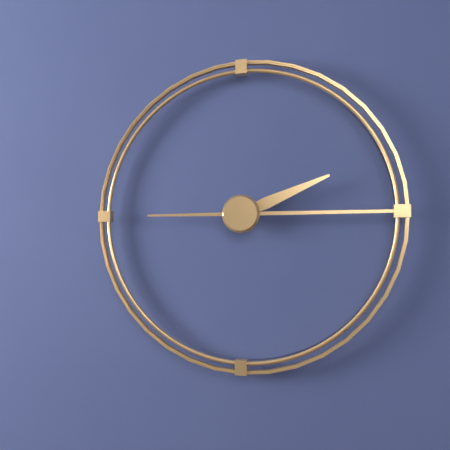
2:15
